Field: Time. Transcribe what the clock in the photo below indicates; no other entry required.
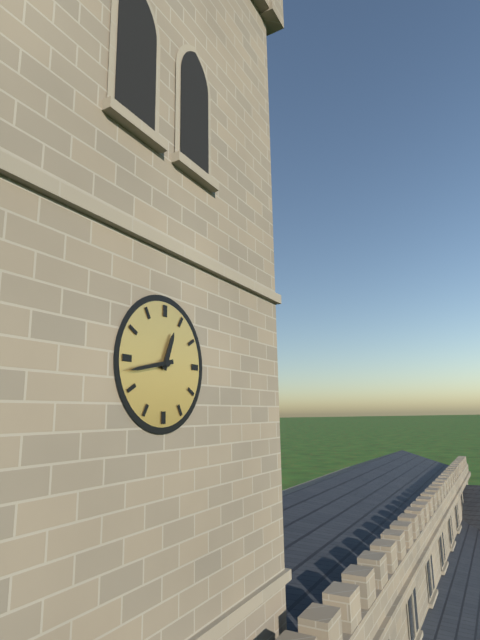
12:43
